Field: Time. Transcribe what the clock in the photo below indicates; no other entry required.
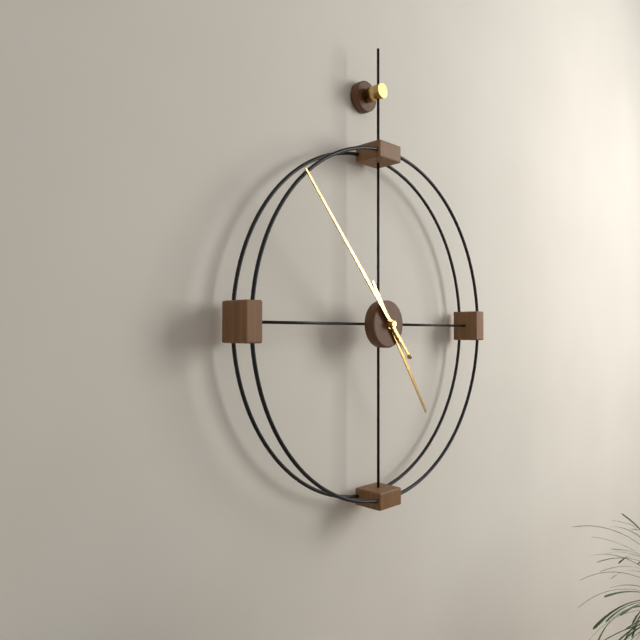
4:53
